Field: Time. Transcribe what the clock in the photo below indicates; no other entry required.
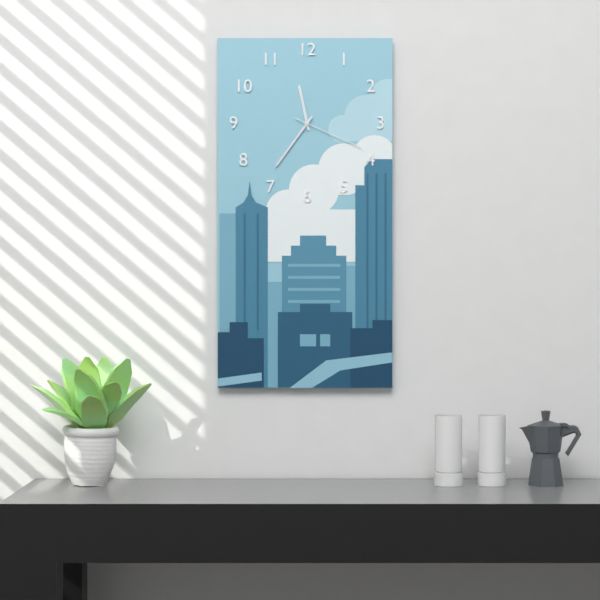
11:36:19
